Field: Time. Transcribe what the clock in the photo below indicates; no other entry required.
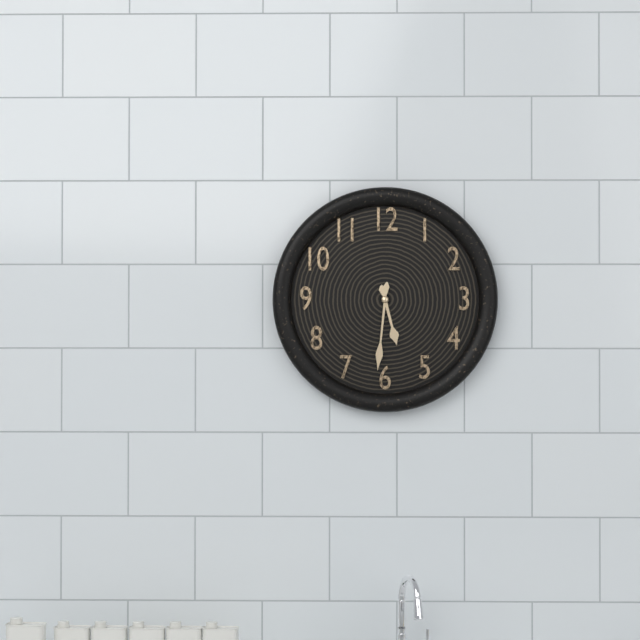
5:31
